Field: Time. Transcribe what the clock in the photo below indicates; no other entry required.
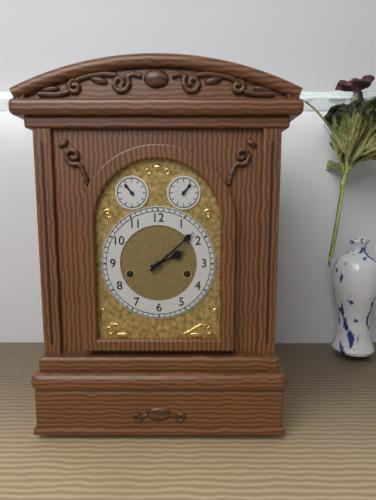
2:08
